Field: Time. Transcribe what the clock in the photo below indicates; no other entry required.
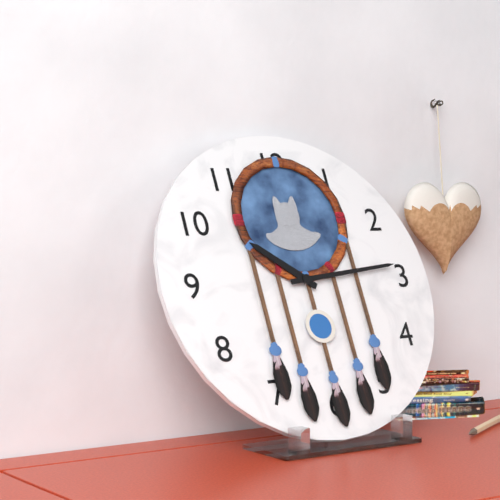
10:14
